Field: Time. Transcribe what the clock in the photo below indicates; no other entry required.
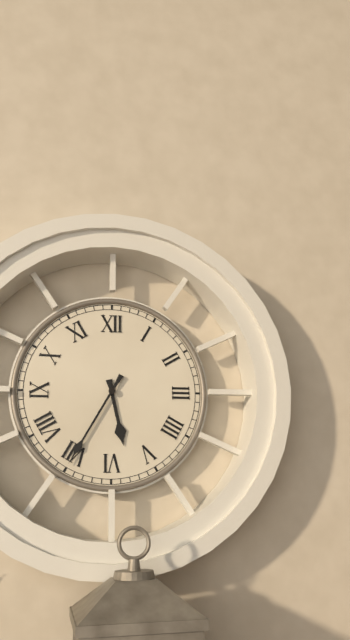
5:35
